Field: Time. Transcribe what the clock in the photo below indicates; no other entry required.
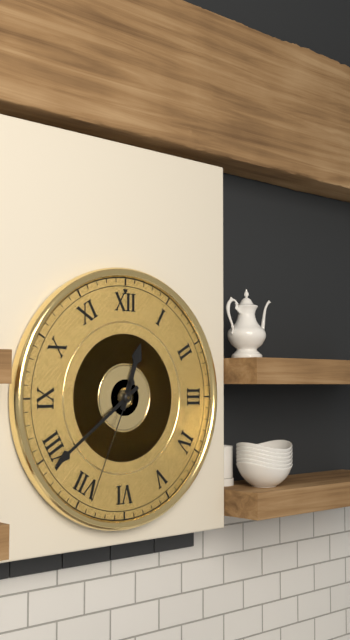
12:39:34
